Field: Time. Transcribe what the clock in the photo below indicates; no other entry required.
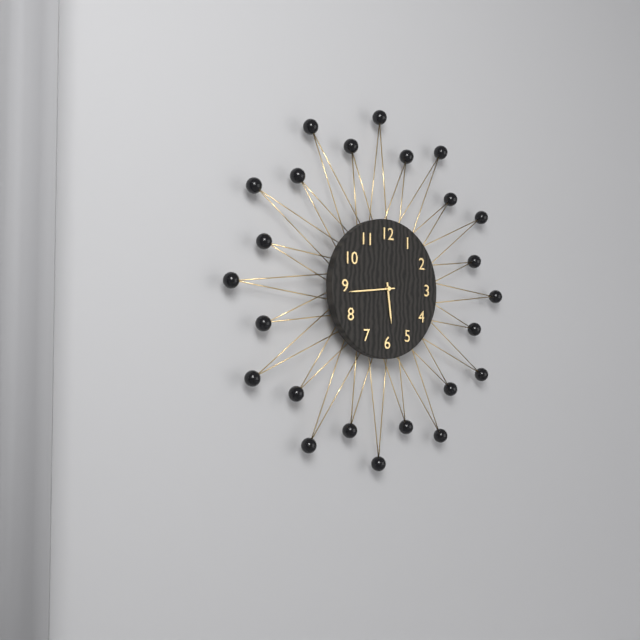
5:44
